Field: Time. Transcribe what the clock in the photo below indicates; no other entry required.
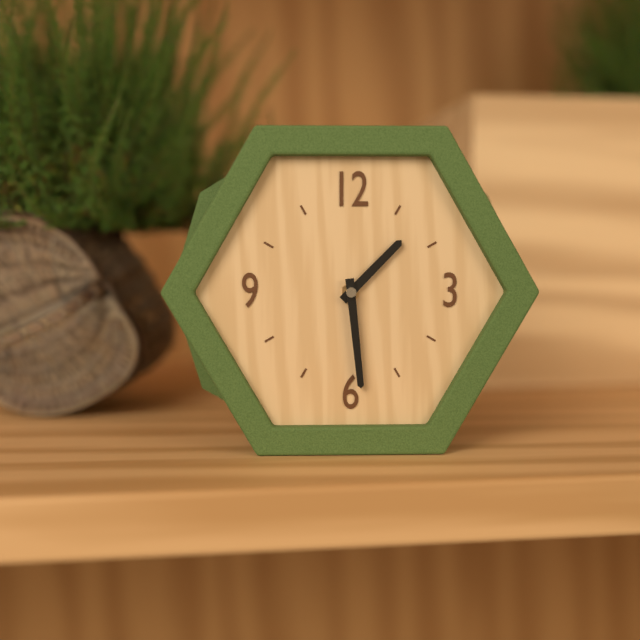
1:29
